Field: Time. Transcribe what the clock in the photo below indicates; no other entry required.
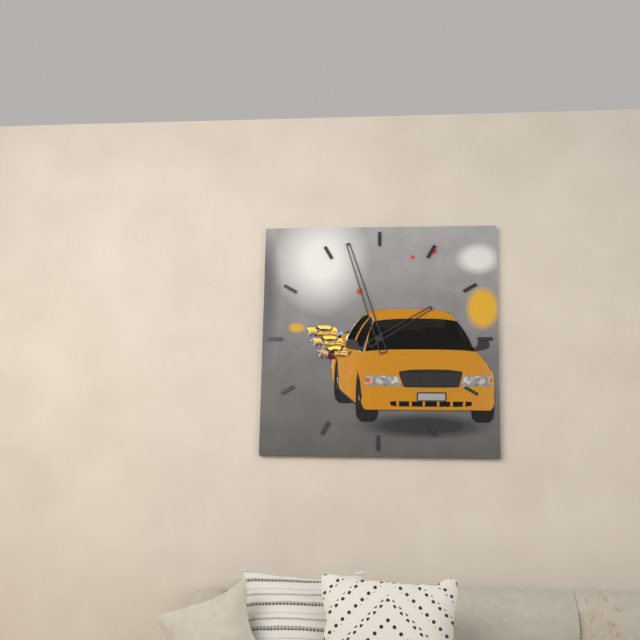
1:57
